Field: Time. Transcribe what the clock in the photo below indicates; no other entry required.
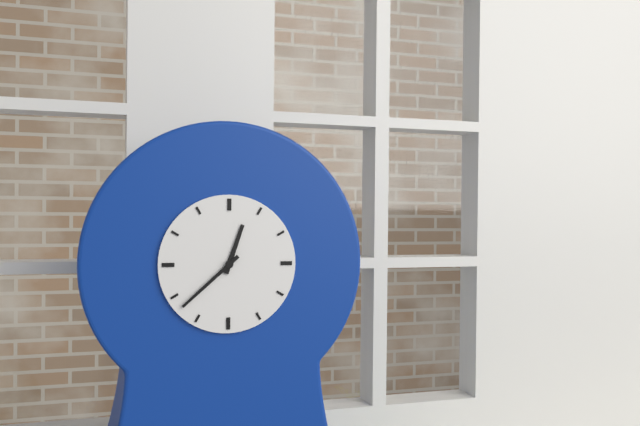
12:38
